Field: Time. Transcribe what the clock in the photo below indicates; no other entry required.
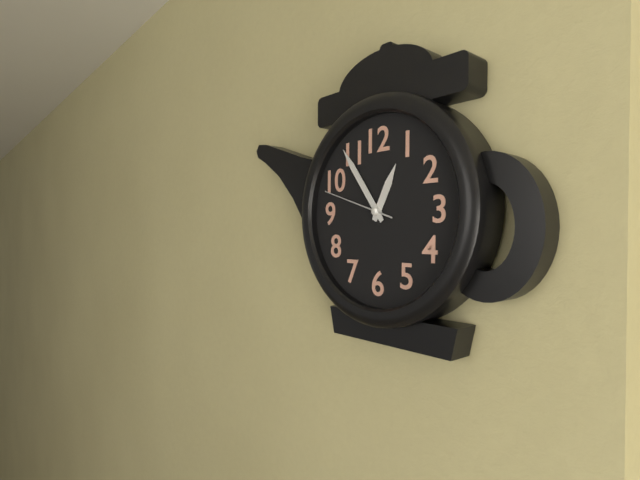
12:54:48
